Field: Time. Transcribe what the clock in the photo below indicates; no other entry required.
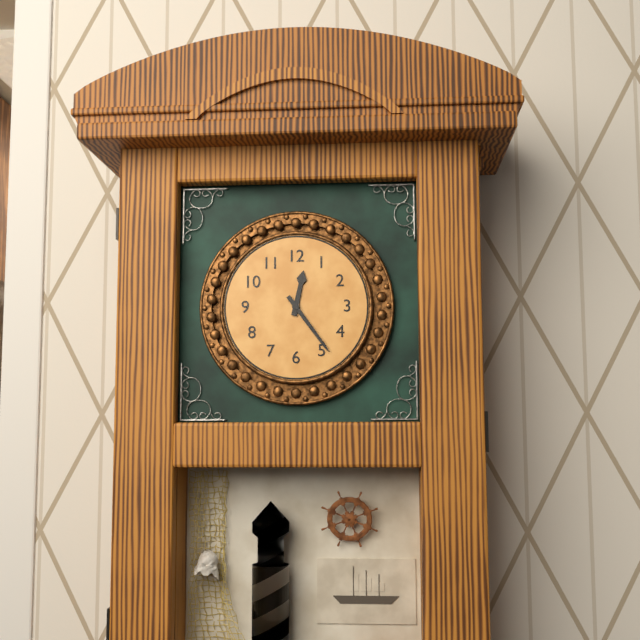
12:24
